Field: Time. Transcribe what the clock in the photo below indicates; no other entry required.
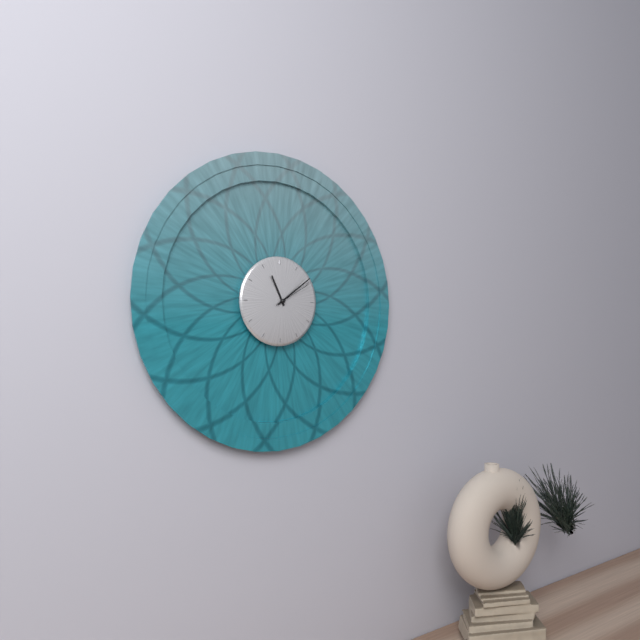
11:09
